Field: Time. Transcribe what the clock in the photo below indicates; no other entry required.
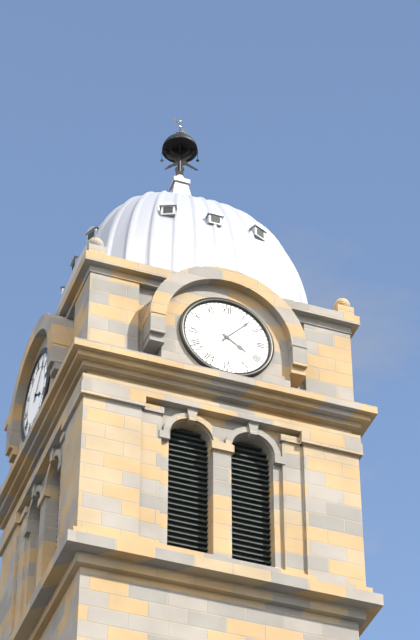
4:07
